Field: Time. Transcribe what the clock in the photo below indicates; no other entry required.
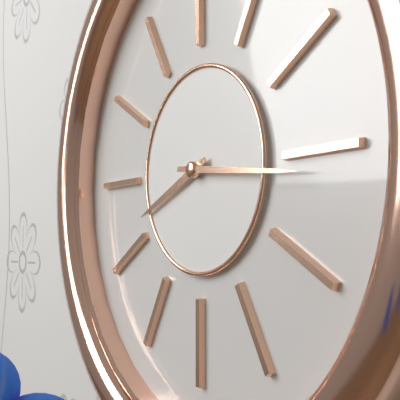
8:16
